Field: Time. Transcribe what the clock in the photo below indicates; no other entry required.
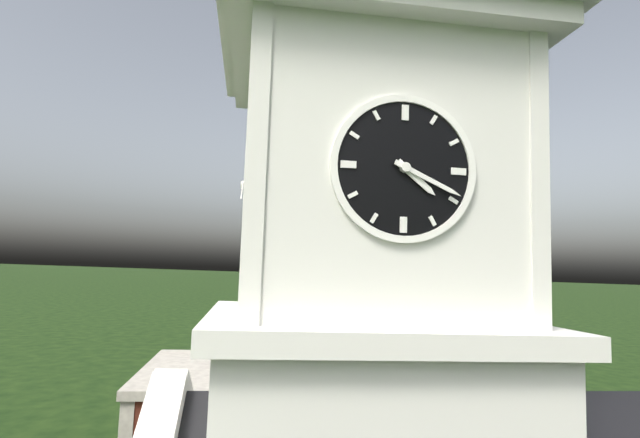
4:19
